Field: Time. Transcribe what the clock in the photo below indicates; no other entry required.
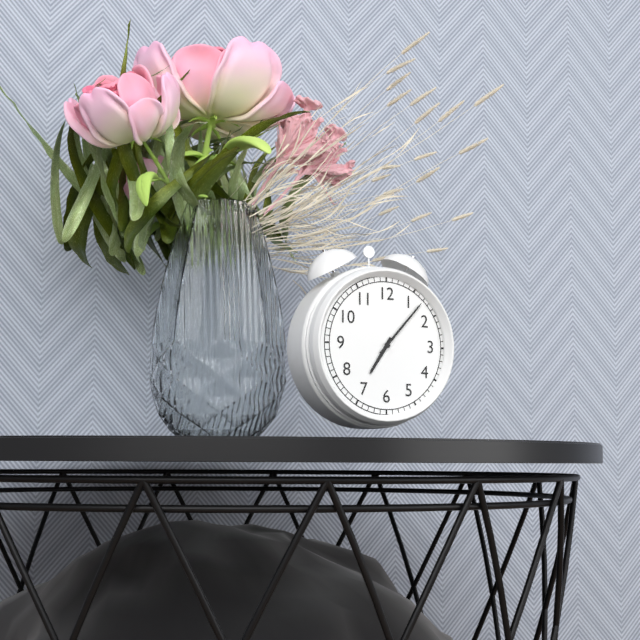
7:07
